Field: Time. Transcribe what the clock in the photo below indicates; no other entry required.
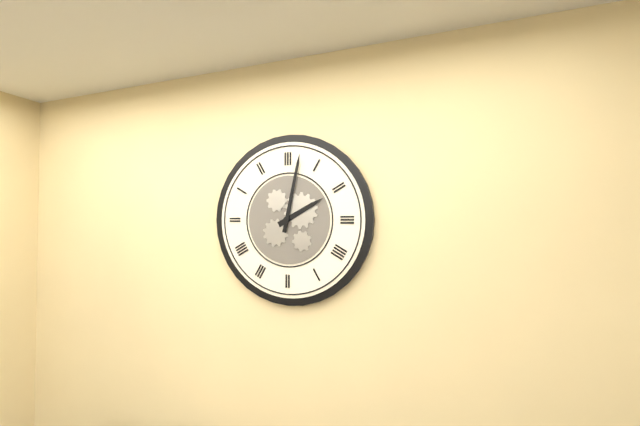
2:02
